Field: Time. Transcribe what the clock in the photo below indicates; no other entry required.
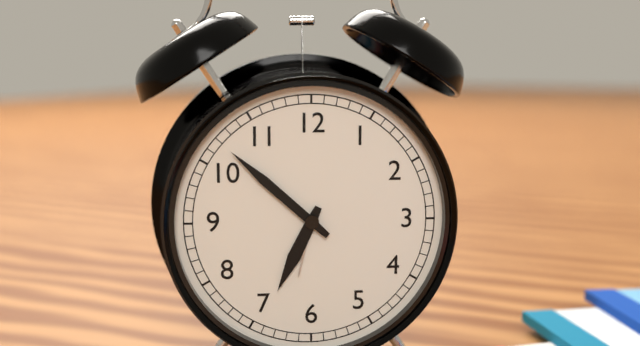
6:52
